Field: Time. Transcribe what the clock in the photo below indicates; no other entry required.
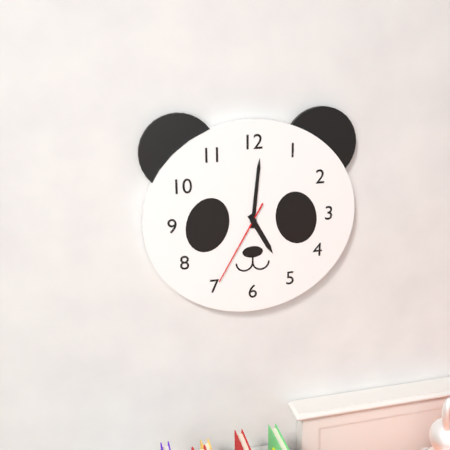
5:01:35
